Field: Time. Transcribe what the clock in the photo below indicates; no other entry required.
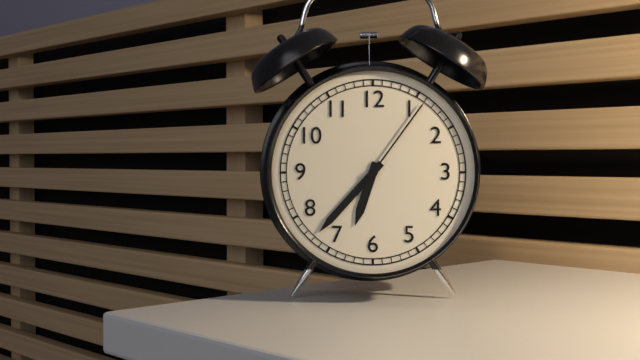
6:37:06
